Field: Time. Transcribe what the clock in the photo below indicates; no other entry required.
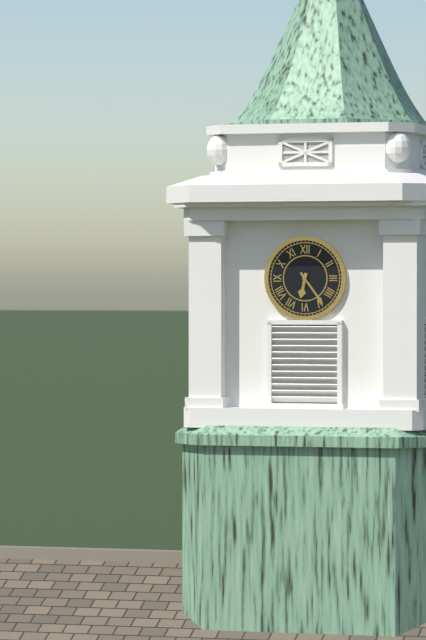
6:24
